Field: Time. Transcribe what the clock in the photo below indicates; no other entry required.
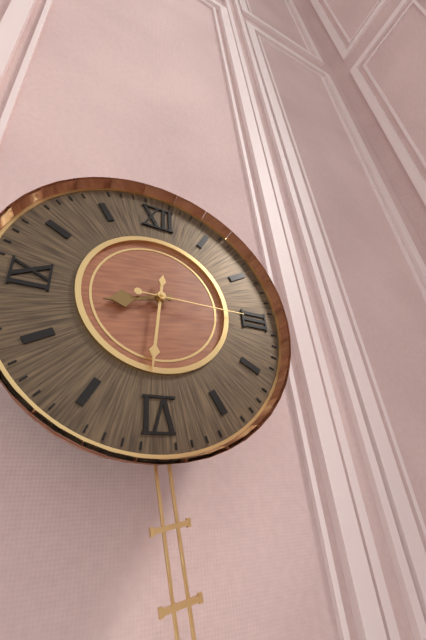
8:31:15
